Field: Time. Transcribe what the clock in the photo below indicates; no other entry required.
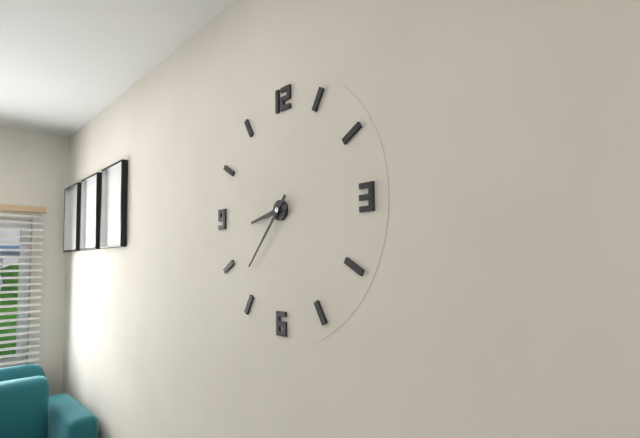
8:37
